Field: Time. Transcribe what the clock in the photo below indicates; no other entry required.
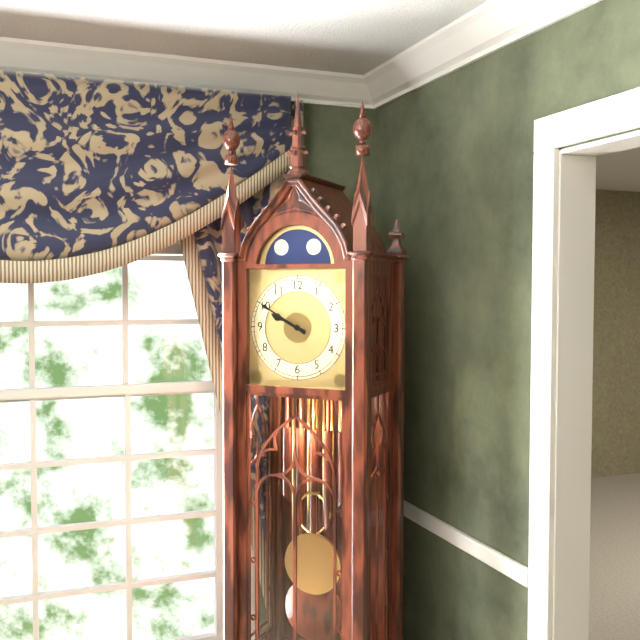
9:50
